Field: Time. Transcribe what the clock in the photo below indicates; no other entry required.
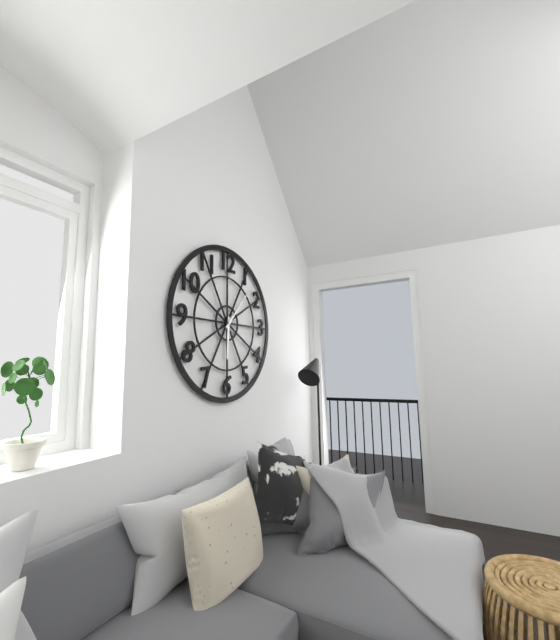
6:07
